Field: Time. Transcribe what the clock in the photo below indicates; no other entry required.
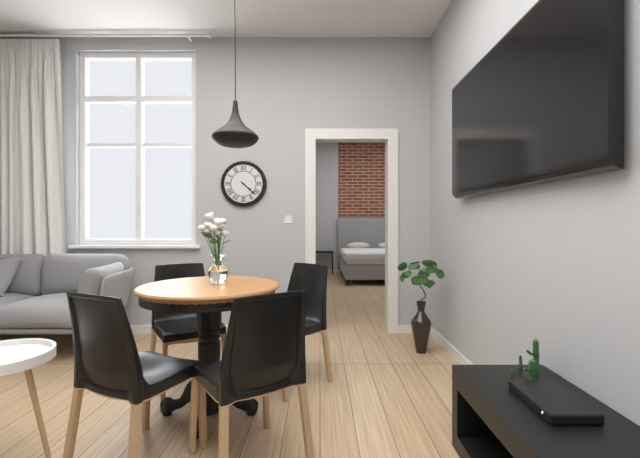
4:22
